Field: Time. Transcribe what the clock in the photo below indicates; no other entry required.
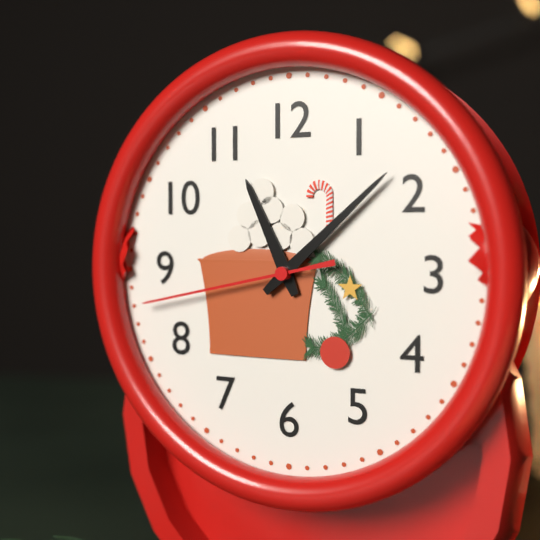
11:08:43
